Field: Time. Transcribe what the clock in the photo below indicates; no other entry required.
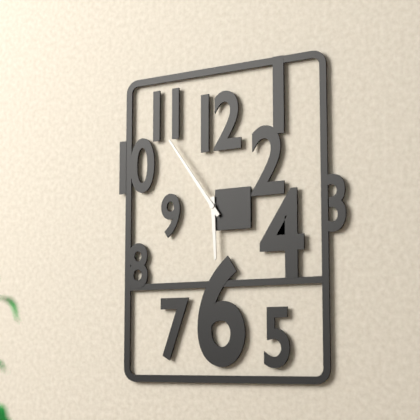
5:54
